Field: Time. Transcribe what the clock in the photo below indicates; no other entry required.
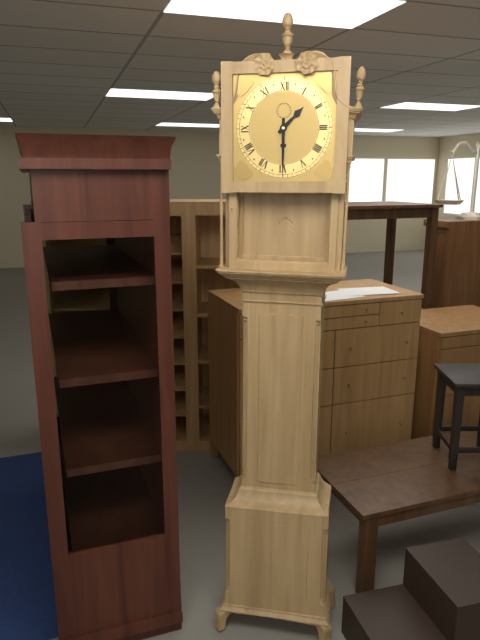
1:30
